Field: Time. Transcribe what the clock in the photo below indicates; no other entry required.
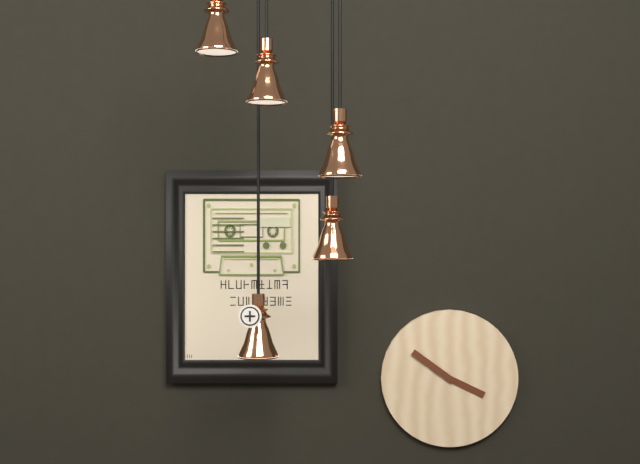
3:51
